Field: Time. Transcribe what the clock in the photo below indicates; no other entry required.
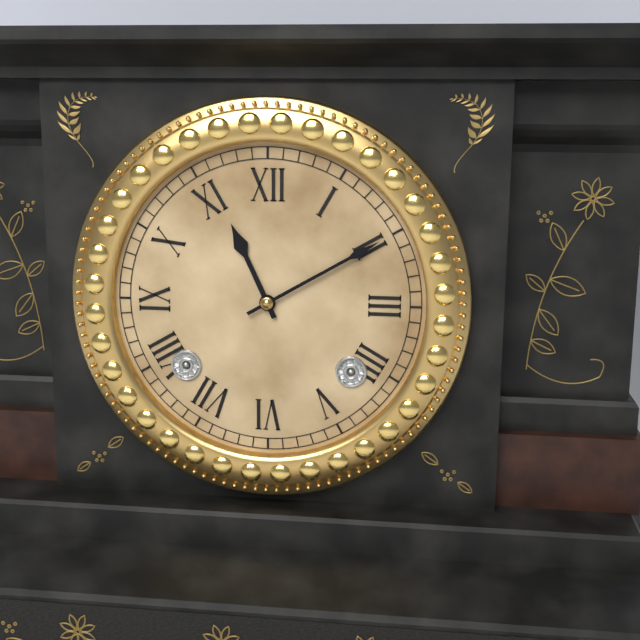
11:10
